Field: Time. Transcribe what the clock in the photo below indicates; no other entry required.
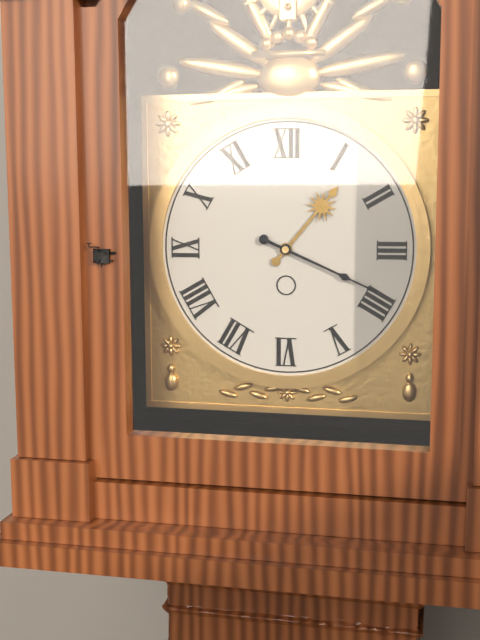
1:19
